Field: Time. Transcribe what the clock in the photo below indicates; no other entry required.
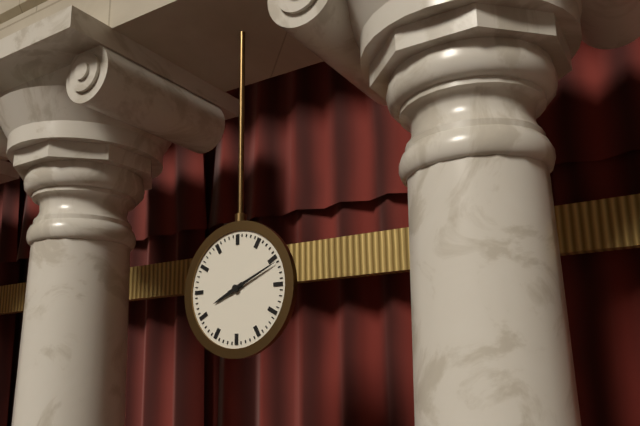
8:11
